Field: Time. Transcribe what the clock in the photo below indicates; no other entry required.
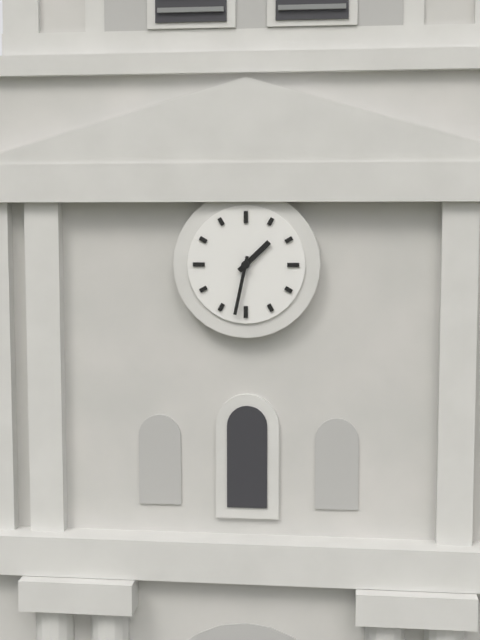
1:32
